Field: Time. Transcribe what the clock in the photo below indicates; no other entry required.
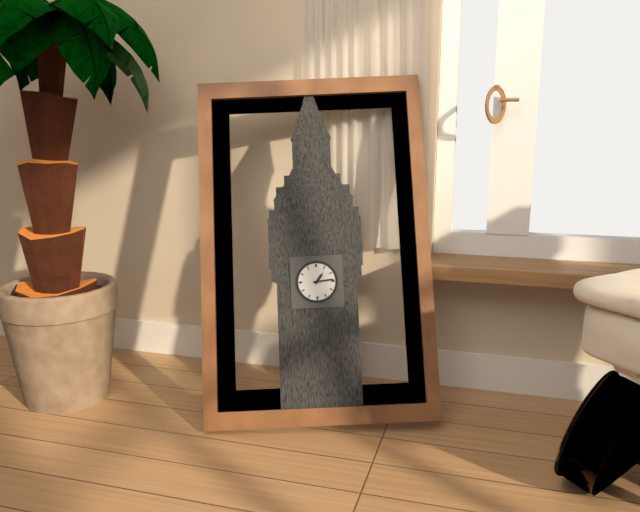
1:14
